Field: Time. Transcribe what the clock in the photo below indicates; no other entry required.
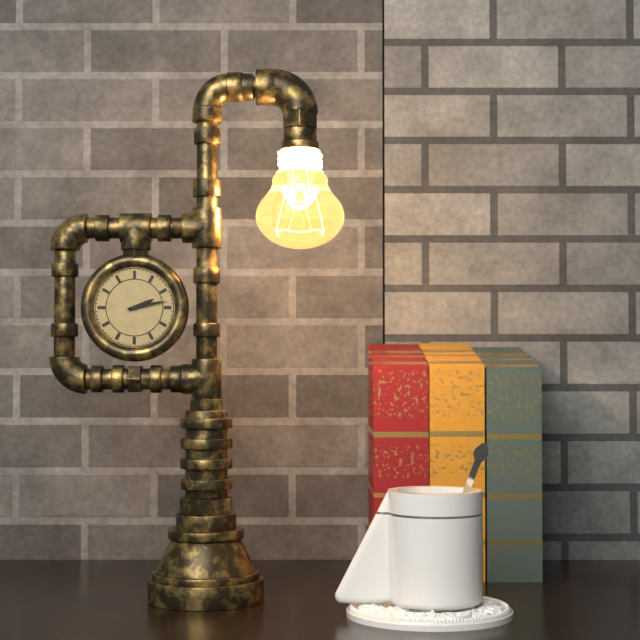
2:13
